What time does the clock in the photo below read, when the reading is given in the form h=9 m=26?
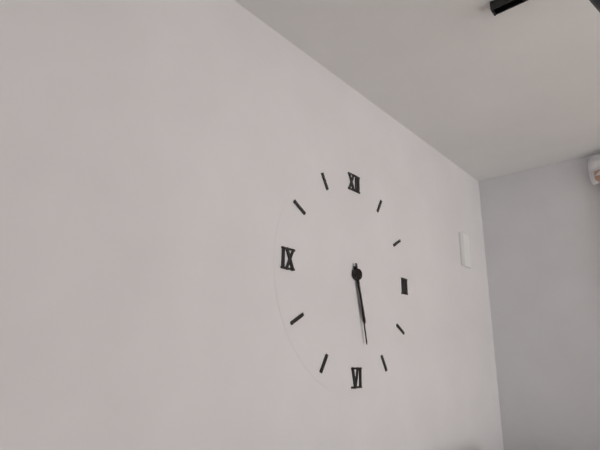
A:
h=5 m=28
